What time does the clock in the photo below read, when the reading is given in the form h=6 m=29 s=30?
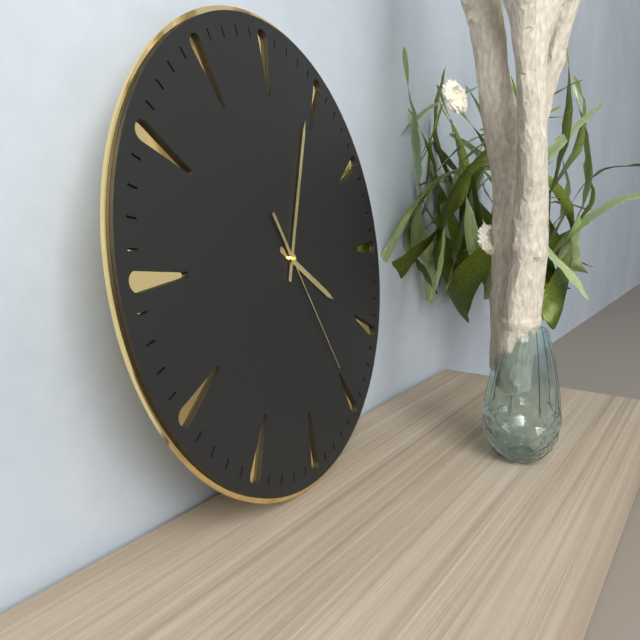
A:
h=4 m=4 s=25
